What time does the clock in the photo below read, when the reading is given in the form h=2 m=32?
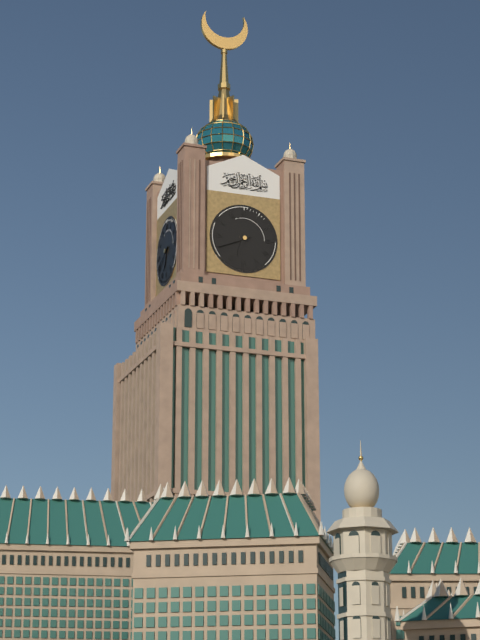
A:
h=6 m=41
